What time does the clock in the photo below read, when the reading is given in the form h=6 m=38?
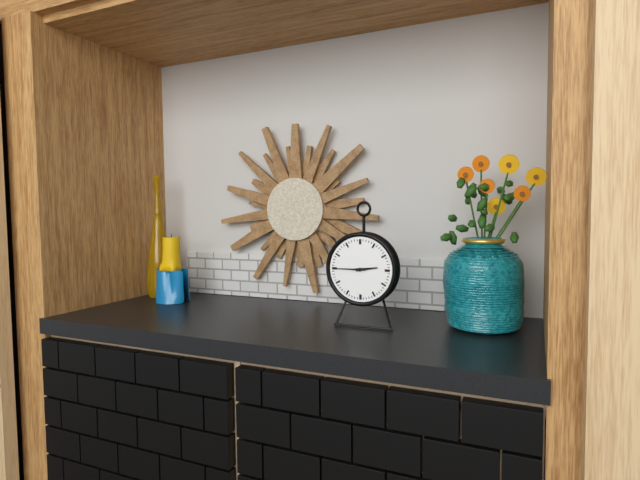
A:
h=2 m=45
